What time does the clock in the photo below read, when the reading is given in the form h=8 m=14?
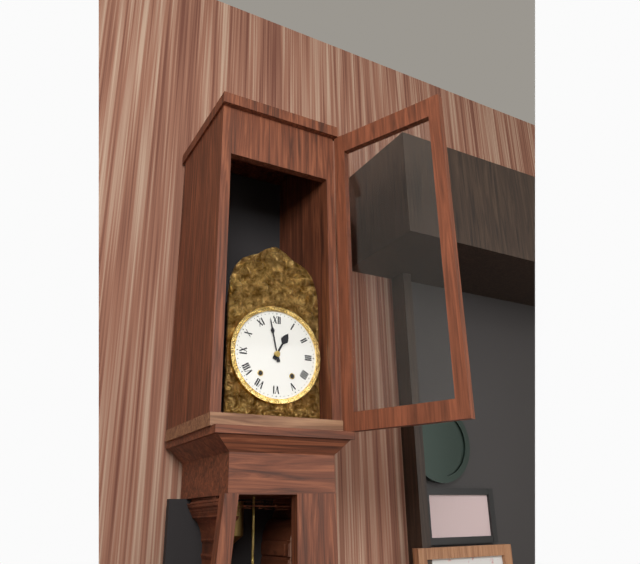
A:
h=12 m=58
